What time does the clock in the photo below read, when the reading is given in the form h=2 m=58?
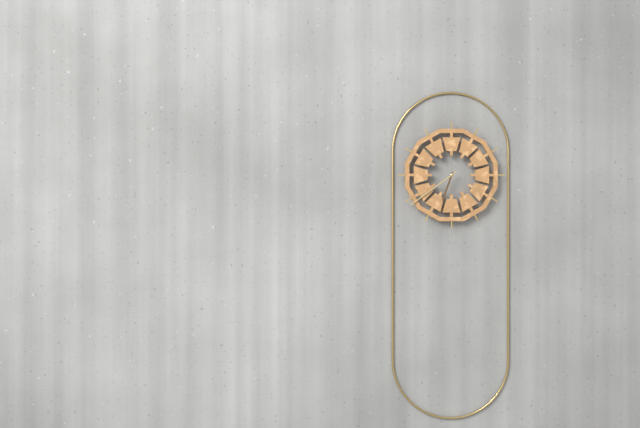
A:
h=6 m=39
